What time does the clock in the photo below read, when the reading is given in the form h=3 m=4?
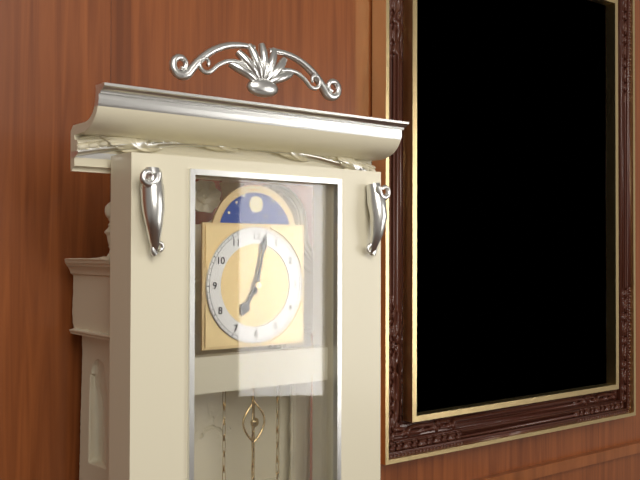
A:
h=7 m=2
